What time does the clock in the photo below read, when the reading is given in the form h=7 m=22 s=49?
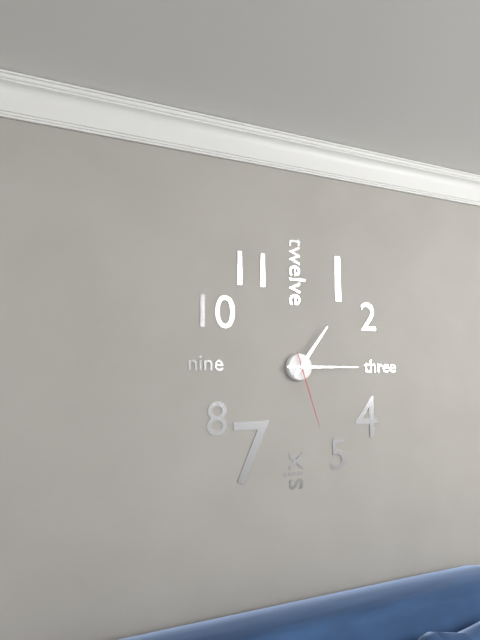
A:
h=1 m=15 s=27
